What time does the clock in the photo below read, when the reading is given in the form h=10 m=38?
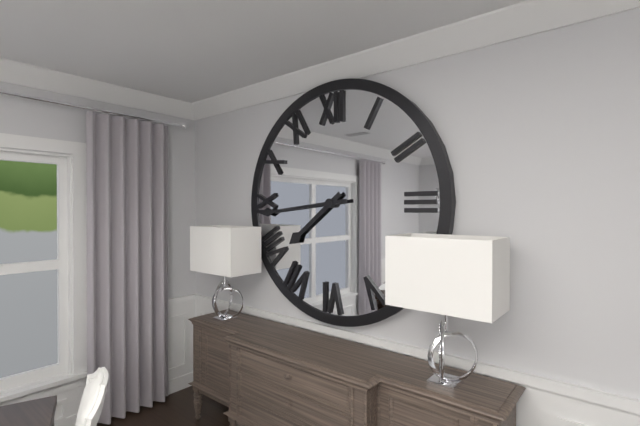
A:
h=7 m=44
